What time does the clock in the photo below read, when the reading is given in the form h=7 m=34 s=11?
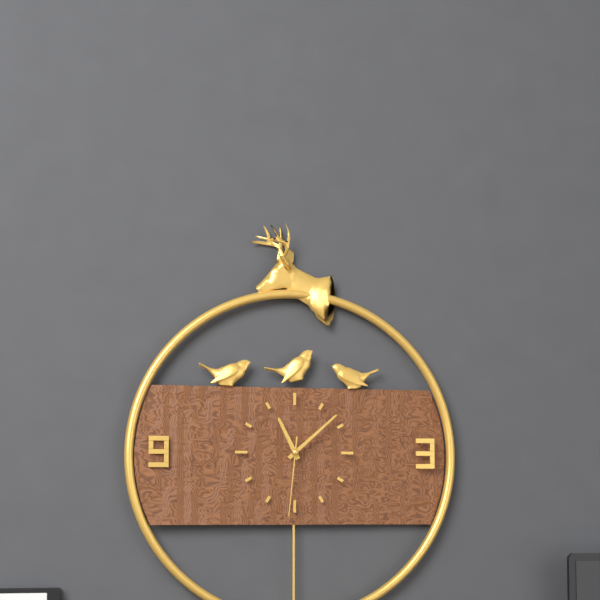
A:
h=11 m=8 s=31
